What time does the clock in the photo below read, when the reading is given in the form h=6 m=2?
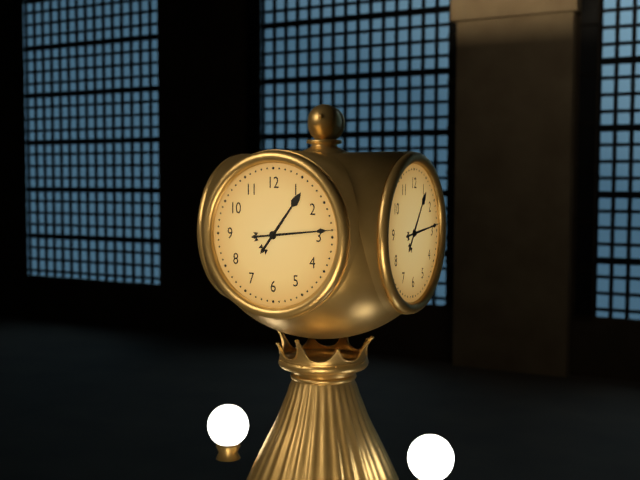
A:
h=1 m=14
